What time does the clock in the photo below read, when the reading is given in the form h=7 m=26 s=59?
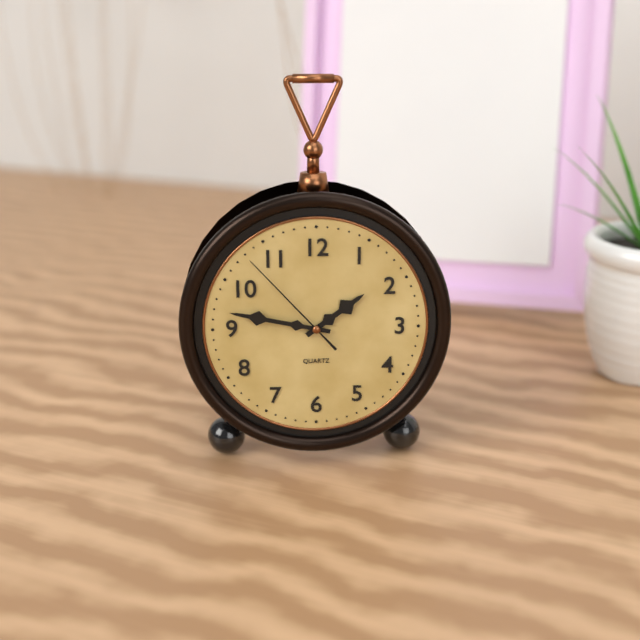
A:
h=1 m=47 s=53
